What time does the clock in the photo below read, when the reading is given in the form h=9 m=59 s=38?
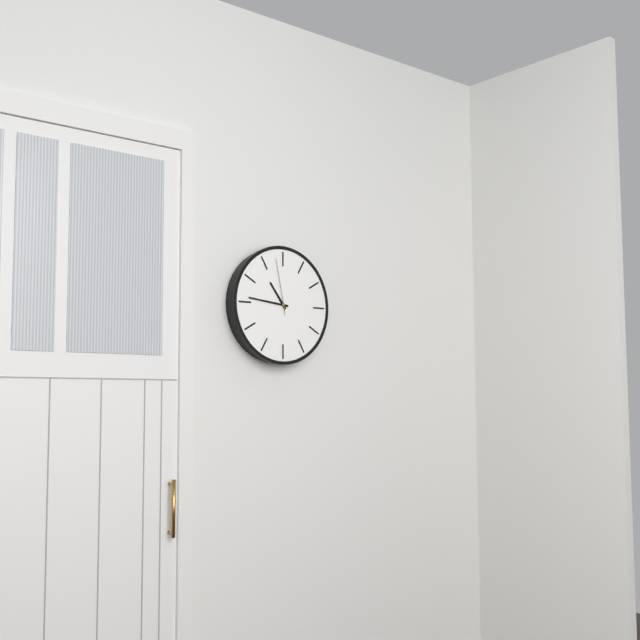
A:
h=10 m=46 s=58
